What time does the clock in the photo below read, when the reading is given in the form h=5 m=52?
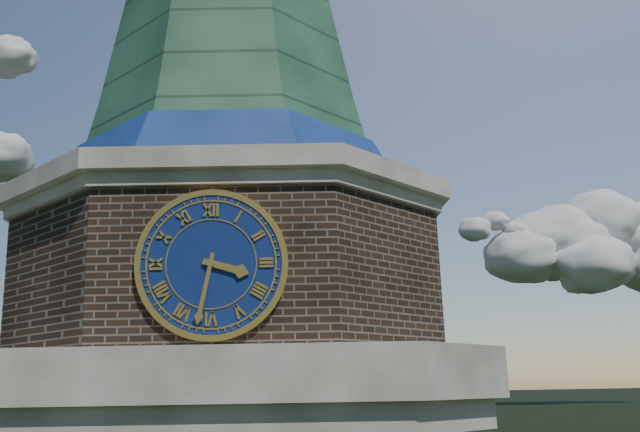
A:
h=3 m=32
